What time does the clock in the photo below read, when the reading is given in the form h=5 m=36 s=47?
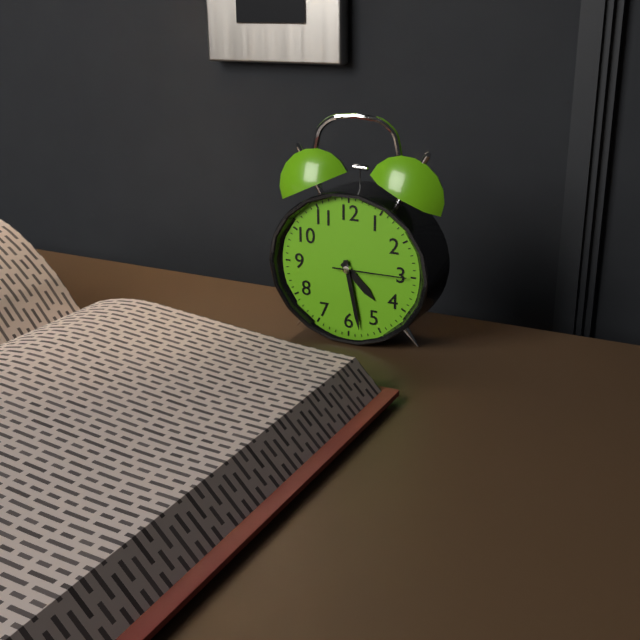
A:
h=4 m=28 s=15
